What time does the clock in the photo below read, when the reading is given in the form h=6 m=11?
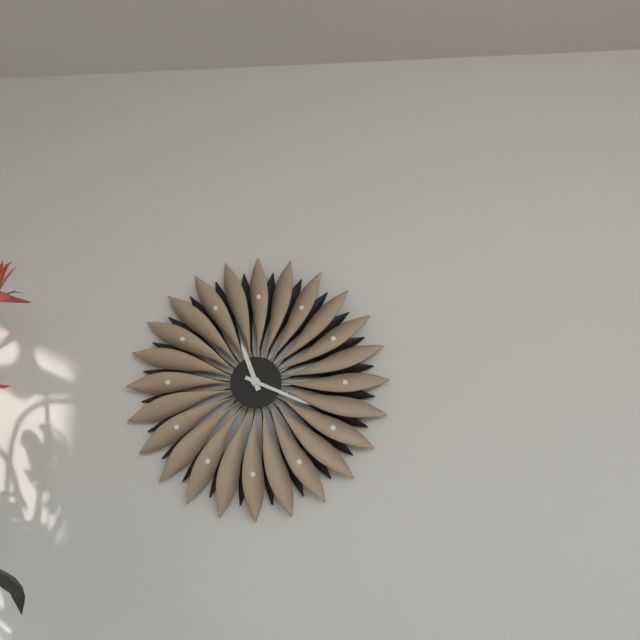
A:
h=11 m=19
